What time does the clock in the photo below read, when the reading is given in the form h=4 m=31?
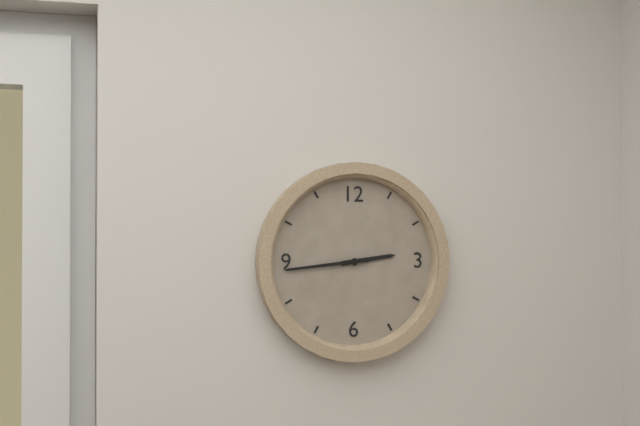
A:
h=2 m=44
